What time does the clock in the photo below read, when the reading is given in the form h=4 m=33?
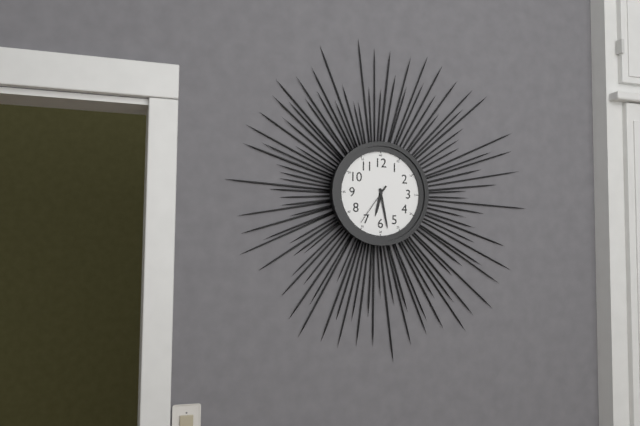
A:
h=6 m=28
